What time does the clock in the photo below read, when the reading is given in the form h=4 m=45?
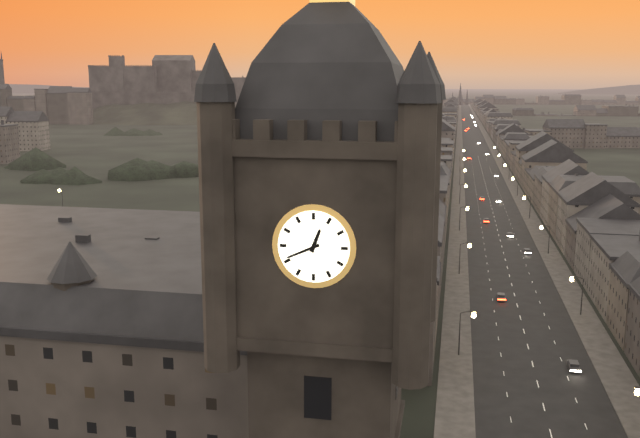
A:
h=12 m=41
